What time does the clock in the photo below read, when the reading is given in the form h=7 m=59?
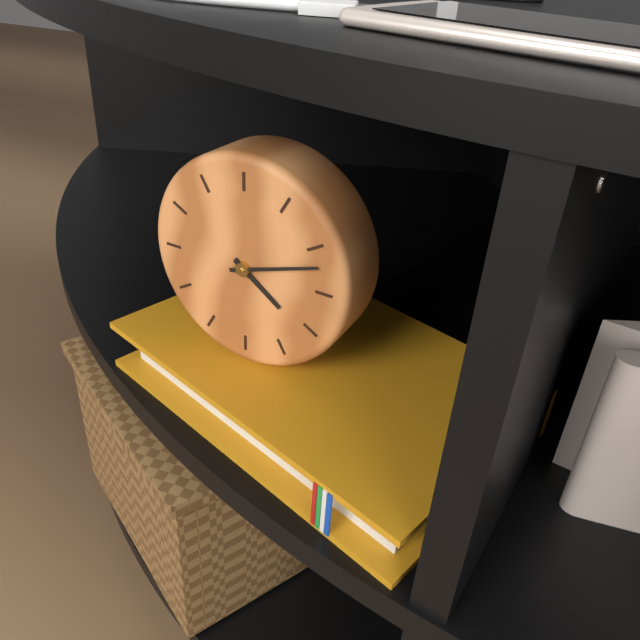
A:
h=4 m=12
